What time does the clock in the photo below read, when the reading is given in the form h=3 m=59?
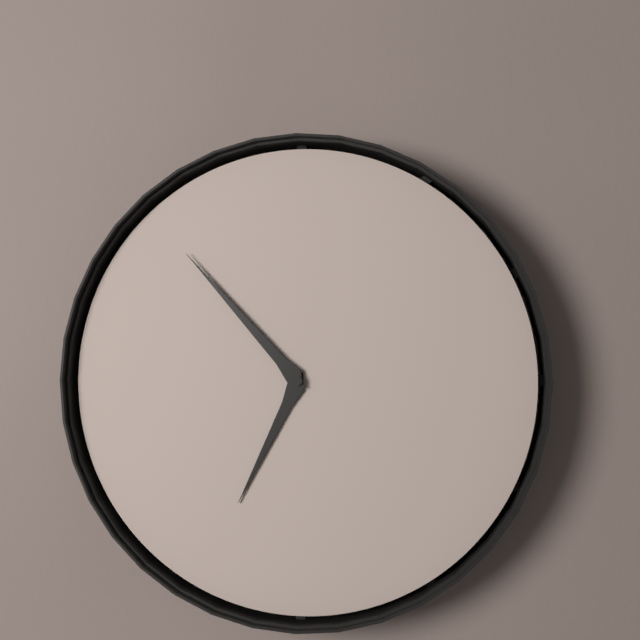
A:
h=6 m=53
